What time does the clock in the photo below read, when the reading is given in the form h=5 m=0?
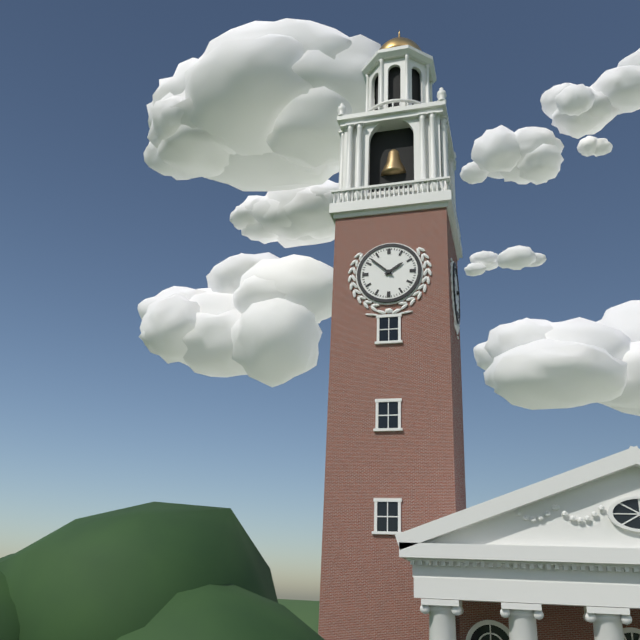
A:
h=1 m=52
